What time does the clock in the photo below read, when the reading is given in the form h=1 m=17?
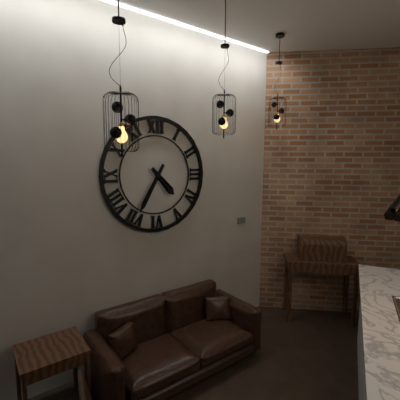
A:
h=4 m=35
